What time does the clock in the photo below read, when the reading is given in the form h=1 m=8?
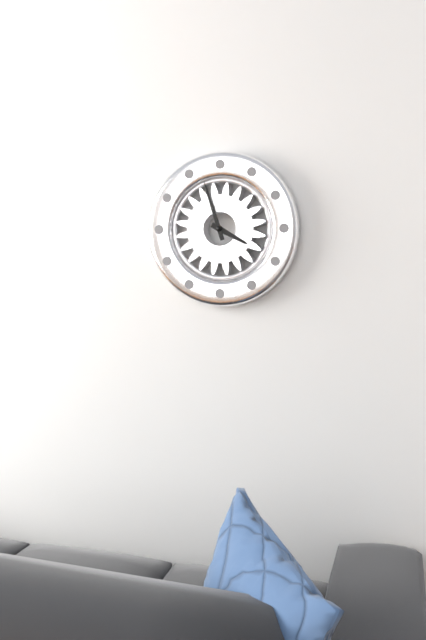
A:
h=3 m=57
